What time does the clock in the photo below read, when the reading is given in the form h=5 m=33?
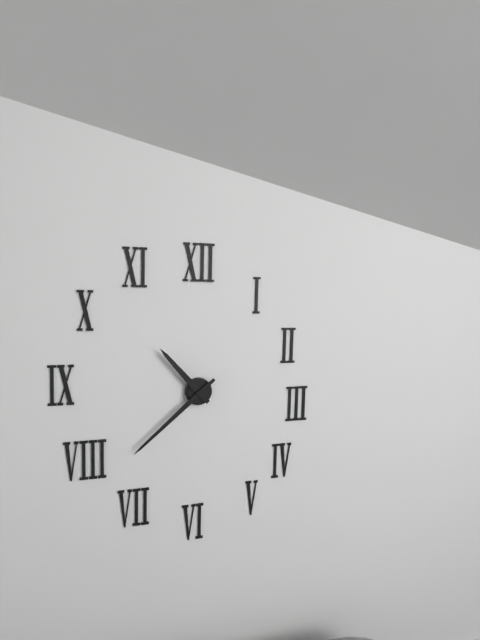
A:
h=10 m=38
